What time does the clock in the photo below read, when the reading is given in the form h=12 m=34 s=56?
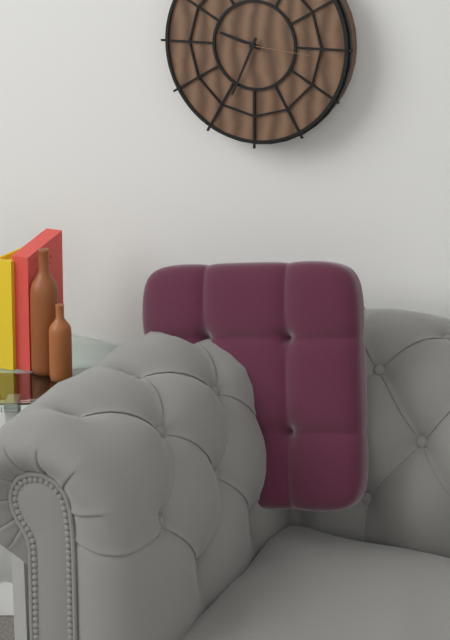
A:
h=9 m=34 s=16
